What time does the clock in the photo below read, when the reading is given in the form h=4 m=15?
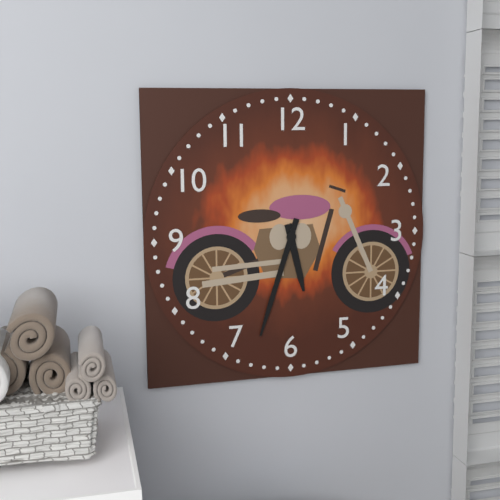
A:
h=5 m=33
